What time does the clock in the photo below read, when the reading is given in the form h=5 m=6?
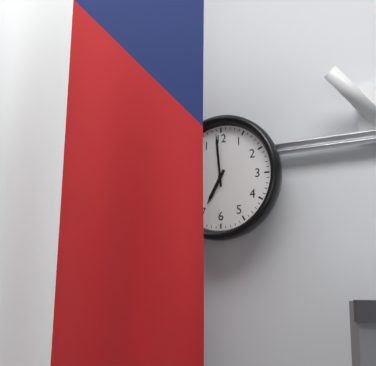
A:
h=6 m=59
